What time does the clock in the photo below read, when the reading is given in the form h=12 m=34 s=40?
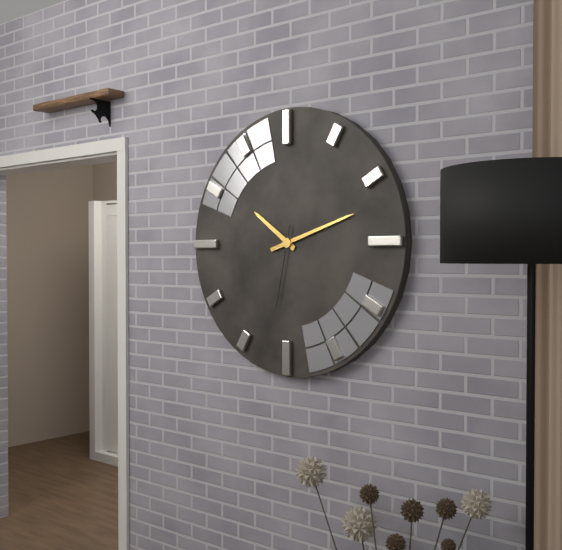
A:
h=10 m=12 s=32
